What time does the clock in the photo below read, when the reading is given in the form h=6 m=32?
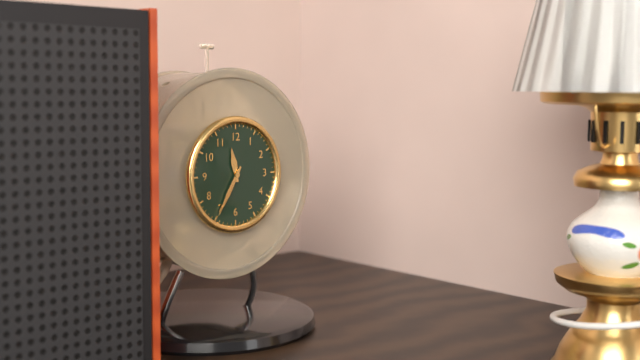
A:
h=11 m=35
